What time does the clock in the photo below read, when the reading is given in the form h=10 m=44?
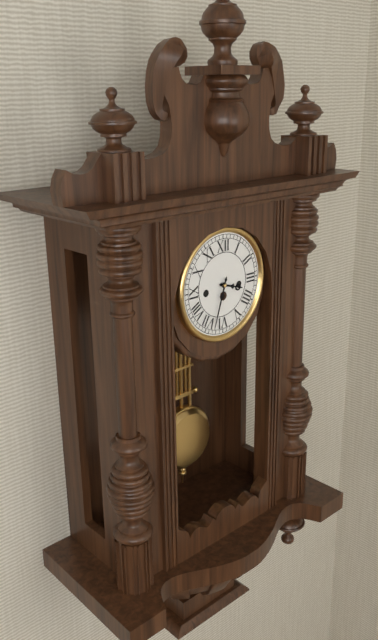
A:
h=3 m=33
